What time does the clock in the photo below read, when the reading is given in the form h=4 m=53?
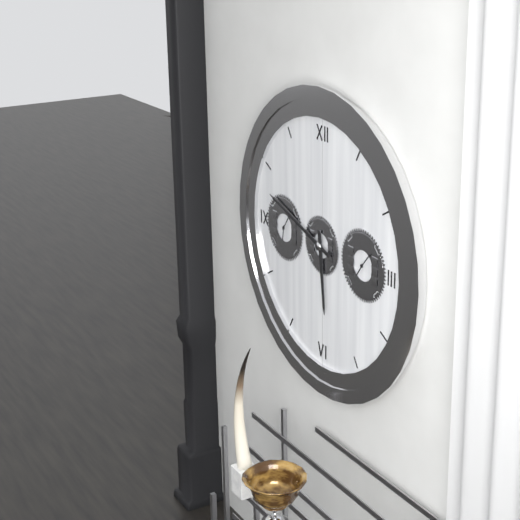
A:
h=5 m=48
